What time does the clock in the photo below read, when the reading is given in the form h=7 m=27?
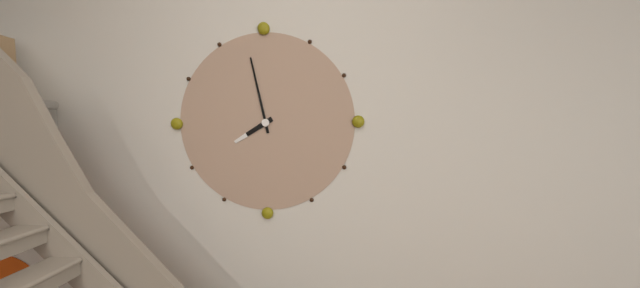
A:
h=7 m=58
